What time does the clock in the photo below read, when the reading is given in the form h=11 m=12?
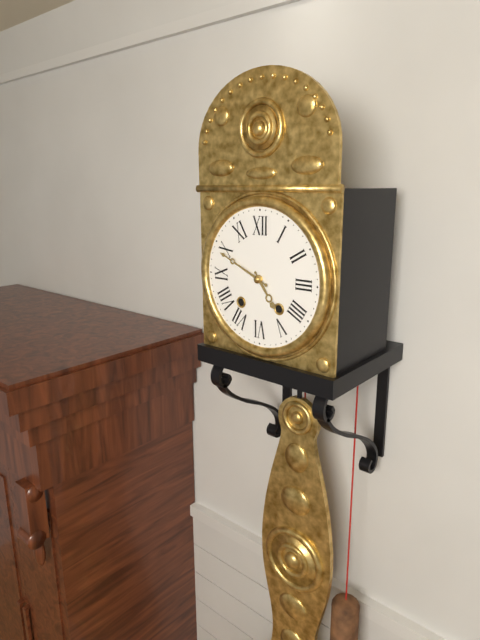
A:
h=4 m=49
